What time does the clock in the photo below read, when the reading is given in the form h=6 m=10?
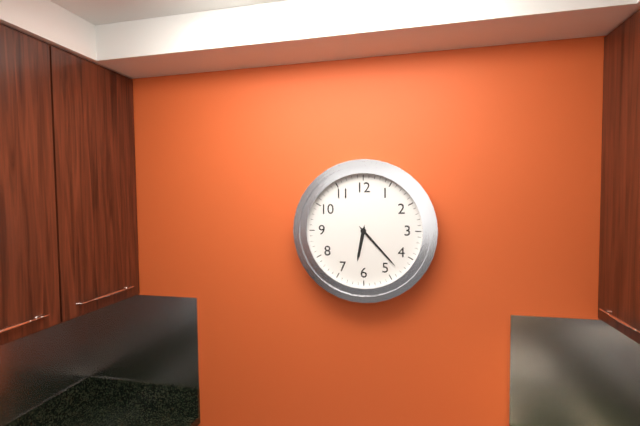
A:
h=6 m=23
